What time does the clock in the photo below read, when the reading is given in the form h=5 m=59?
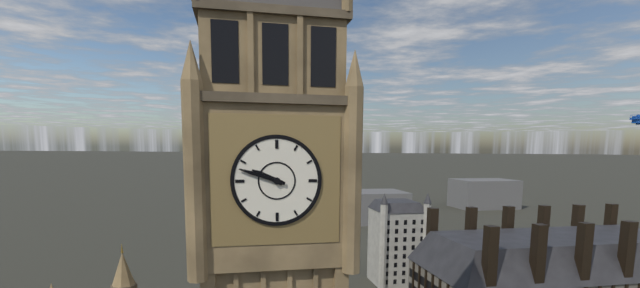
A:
h=9 m=48
